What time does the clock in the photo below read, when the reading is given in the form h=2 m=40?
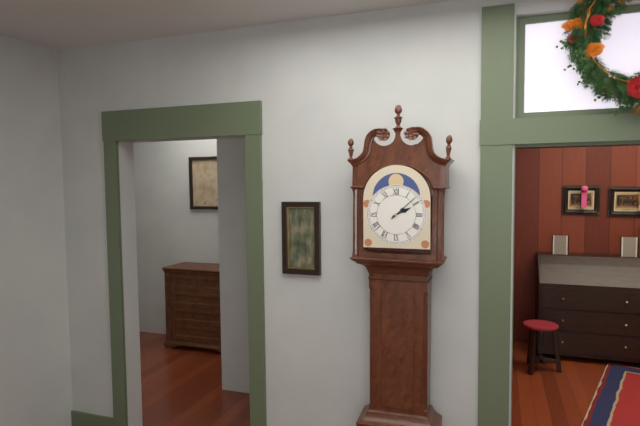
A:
h=2 m=8
